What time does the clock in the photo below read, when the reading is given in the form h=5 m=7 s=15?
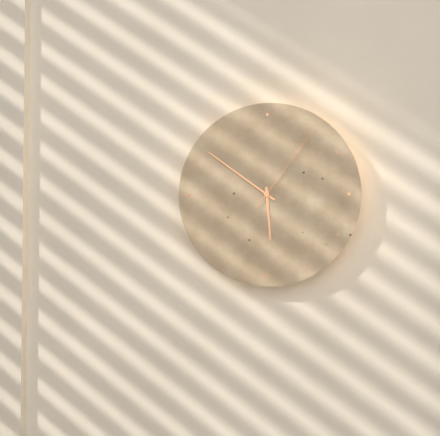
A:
h=5 m=51 s=6
